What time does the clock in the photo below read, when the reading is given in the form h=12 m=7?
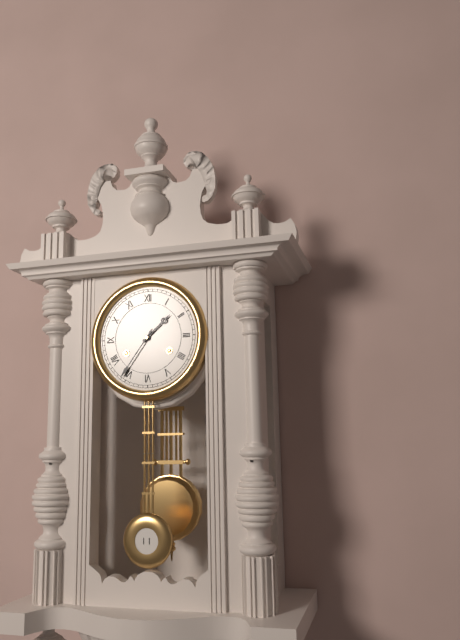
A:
h=1 m=36
